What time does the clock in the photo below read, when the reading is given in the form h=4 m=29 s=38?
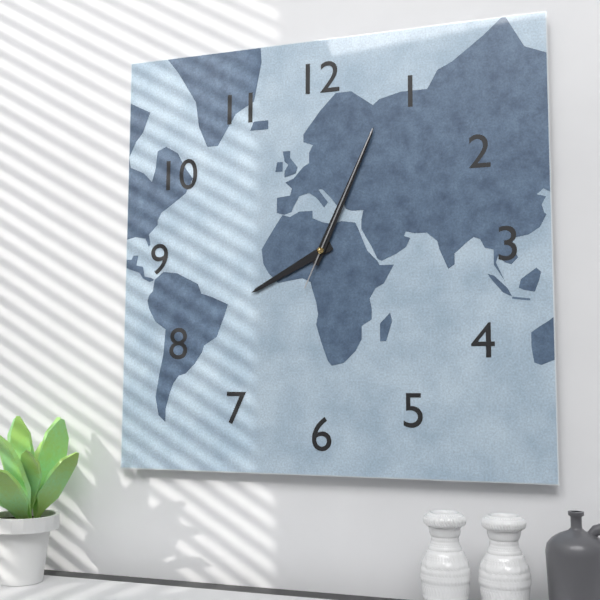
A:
h=8 m=4 s=4
